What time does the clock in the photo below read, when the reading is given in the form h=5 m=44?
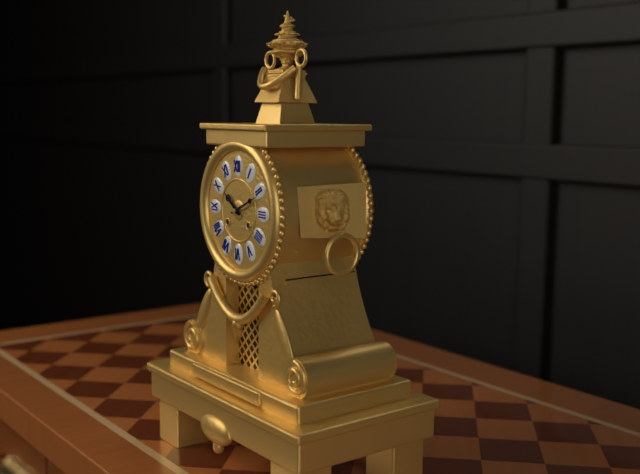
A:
h=10 m=11
